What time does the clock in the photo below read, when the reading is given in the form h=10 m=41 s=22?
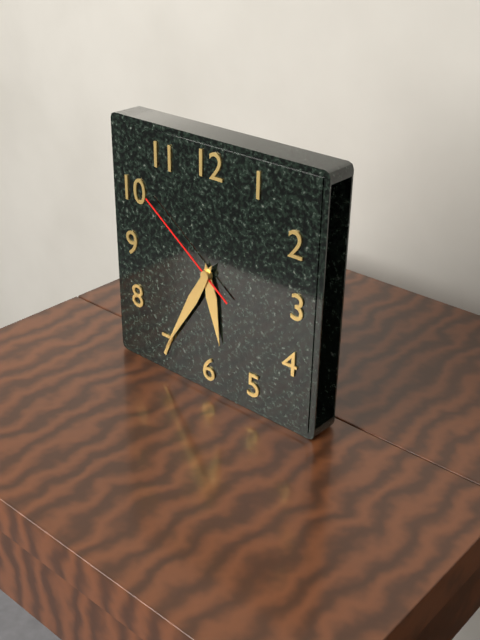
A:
h=5 m=35 s=51
